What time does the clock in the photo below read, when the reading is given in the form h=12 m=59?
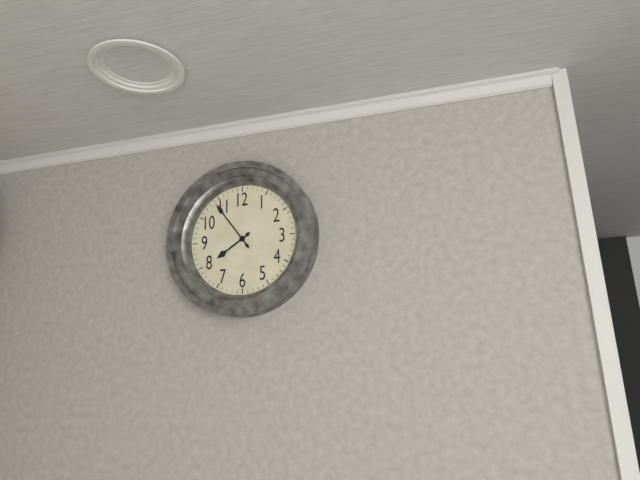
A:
h=7 m=54
